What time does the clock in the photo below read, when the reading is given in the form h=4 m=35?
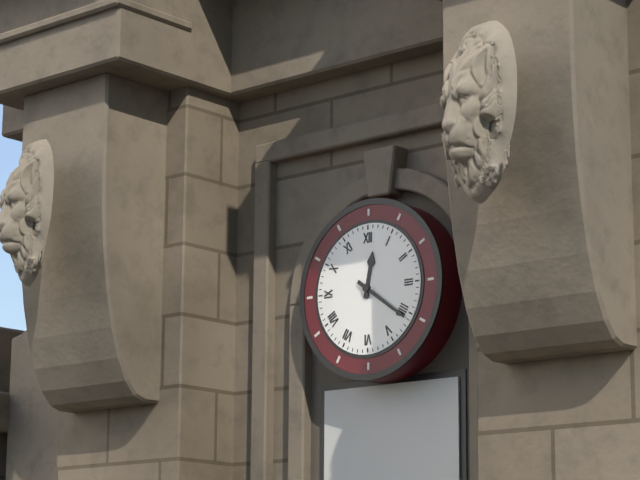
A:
h=12 m=21
